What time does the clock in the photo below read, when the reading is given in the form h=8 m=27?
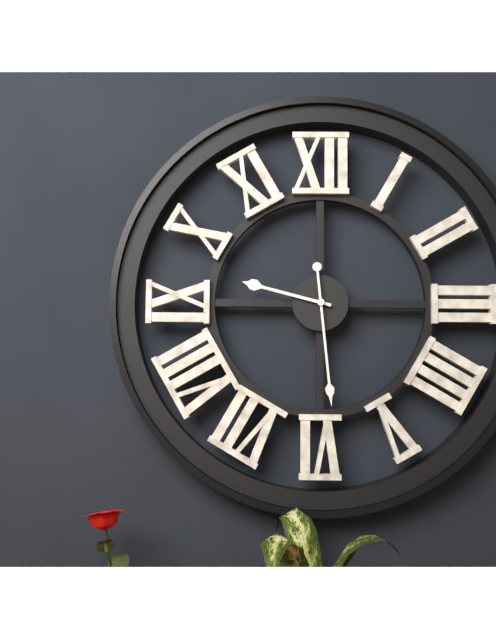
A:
h=9 m=29
